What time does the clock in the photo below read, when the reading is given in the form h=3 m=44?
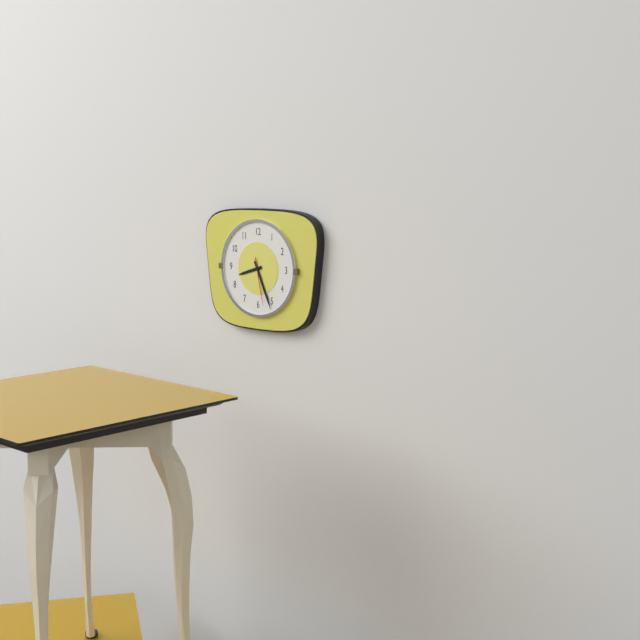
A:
h=8 m=26
